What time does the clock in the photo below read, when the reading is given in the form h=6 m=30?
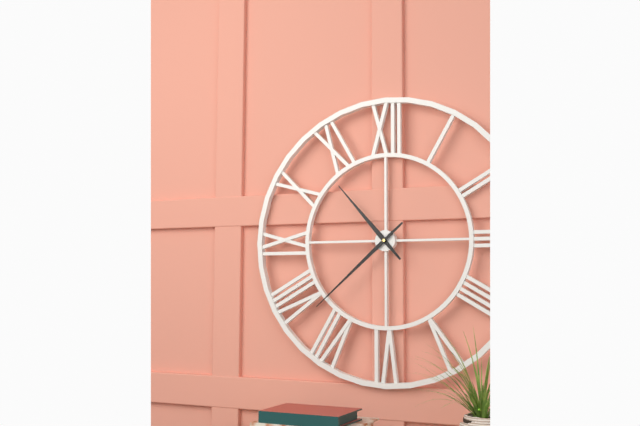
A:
h=10 m=38
